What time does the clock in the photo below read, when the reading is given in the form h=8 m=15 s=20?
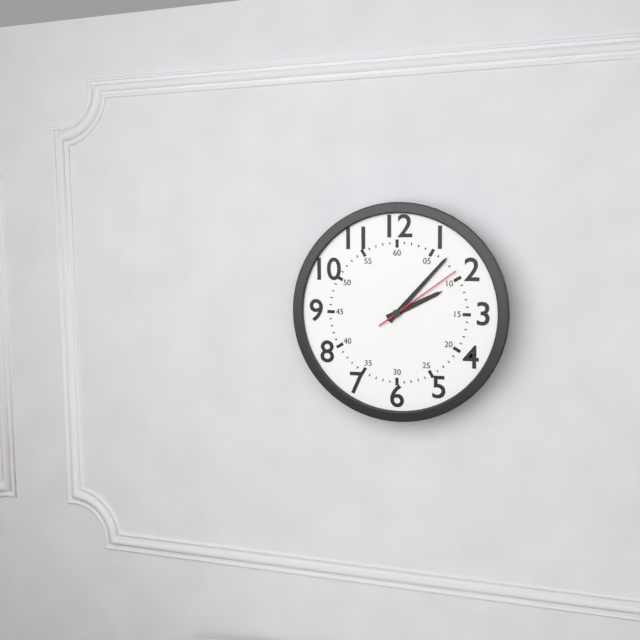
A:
h=2 m=7 s=9
